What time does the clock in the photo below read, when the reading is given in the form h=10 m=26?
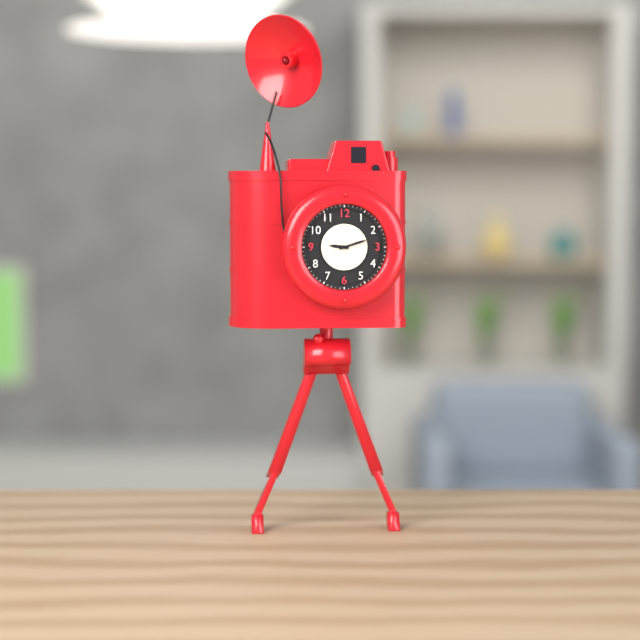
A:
h=9 m=12
